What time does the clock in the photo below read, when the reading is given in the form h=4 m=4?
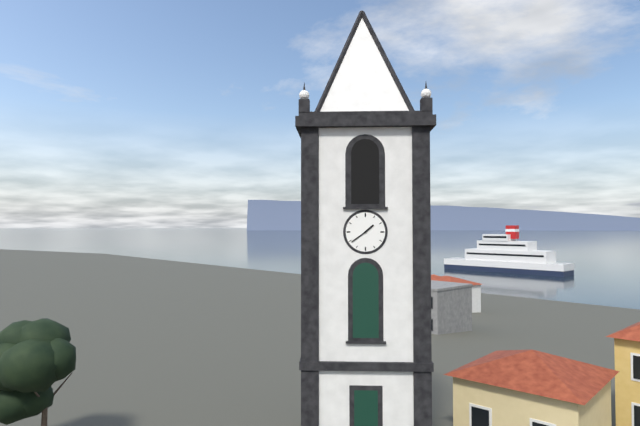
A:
h=1 m=39
